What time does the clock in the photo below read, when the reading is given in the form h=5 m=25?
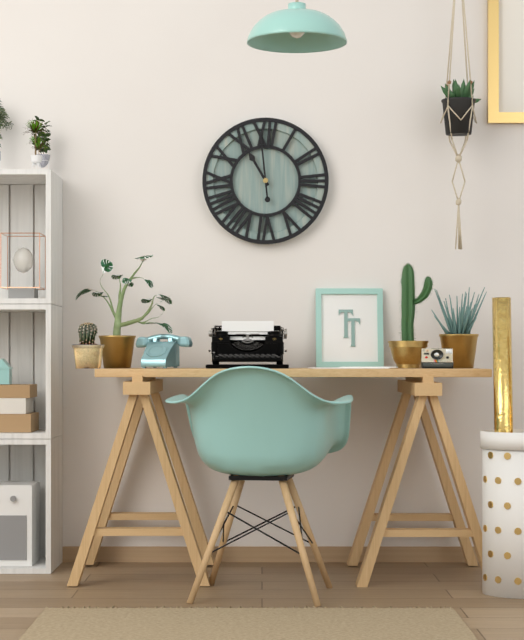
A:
h=10 m=59
